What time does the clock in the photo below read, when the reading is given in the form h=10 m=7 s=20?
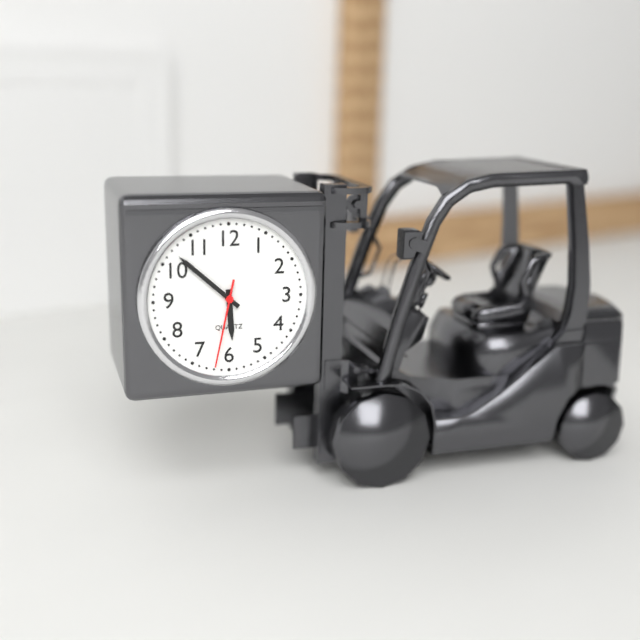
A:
h=5 m=52 s=32
